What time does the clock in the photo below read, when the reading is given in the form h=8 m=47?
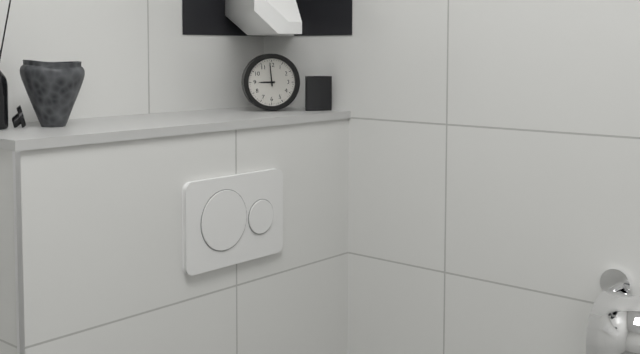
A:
h=8 m=59
